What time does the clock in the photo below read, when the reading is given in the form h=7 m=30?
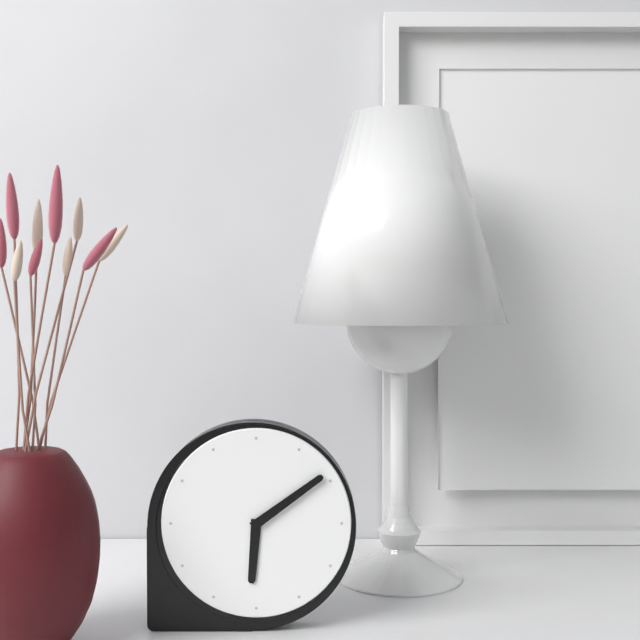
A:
h=6 m=9
